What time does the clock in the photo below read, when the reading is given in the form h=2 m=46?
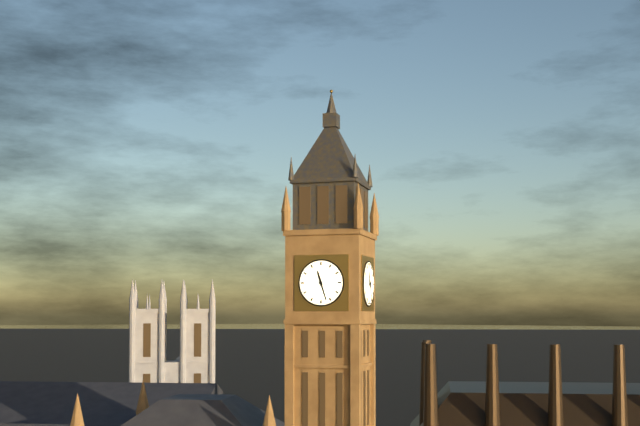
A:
h=11 m=27
